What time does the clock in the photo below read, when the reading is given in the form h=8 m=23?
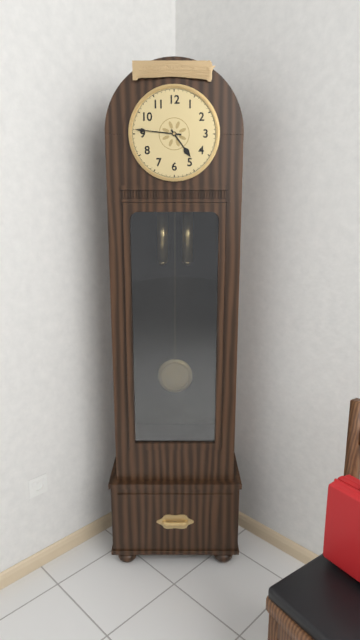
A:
h=4 m=46
